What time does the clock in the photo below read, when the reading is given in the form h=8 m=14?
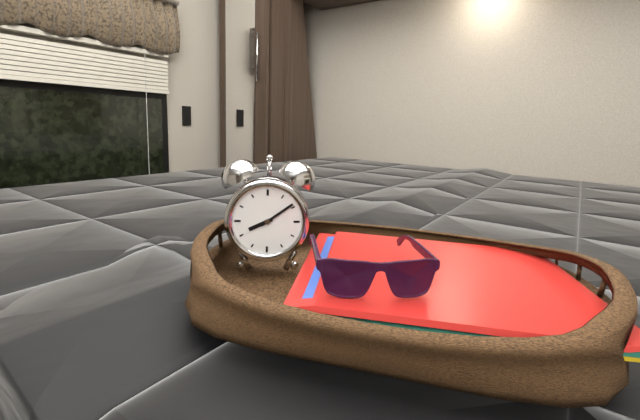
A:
h=8 m=9
